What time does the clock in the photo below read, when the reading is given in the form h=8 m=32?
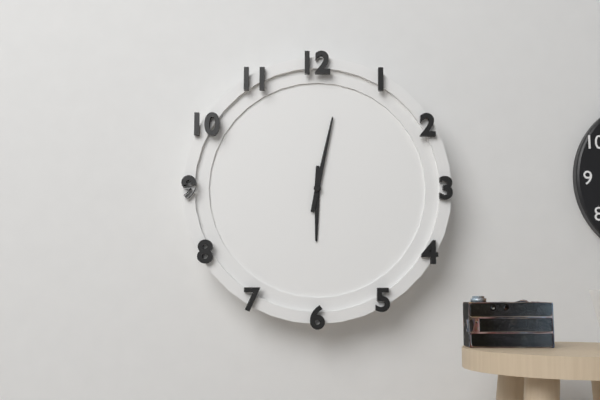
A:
h=6 m=2
